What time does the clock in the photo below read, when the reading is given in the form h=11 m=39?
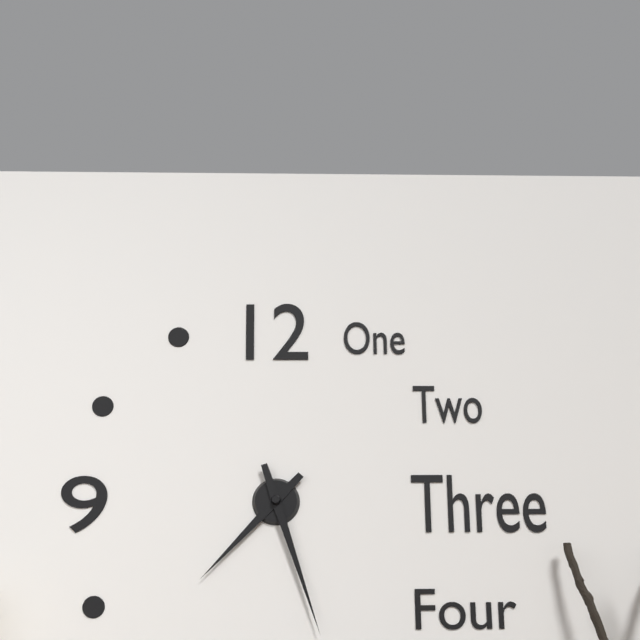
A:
h=7 m=27
